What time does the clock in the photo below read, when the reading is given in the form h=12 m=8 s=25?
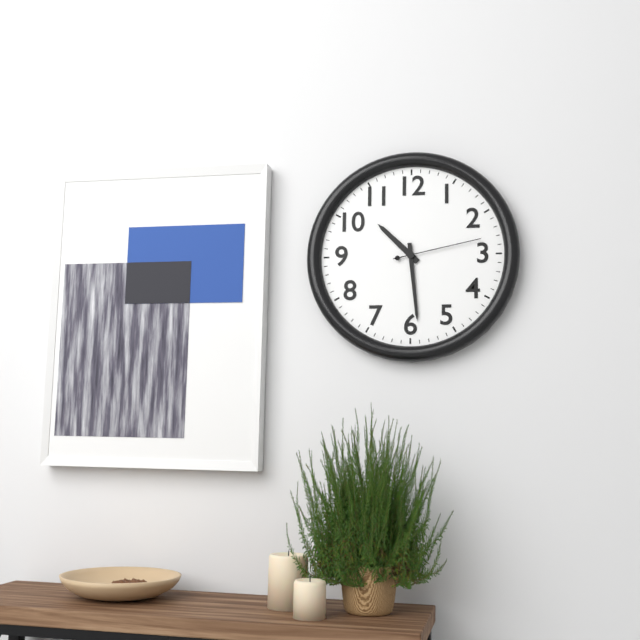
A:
h=10 m=29 s=13
